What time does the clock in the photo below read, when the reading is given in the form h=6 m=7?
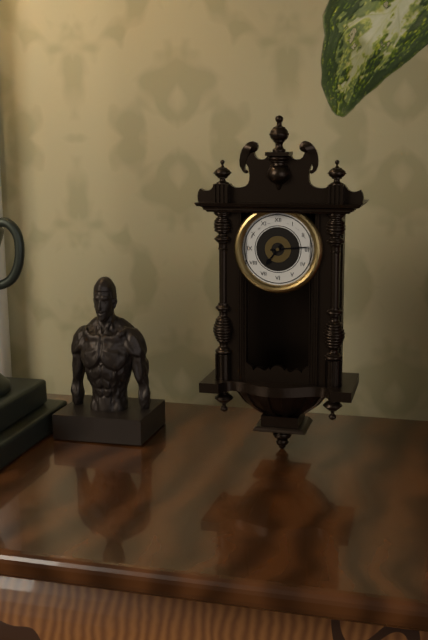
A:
h=7 m=14
